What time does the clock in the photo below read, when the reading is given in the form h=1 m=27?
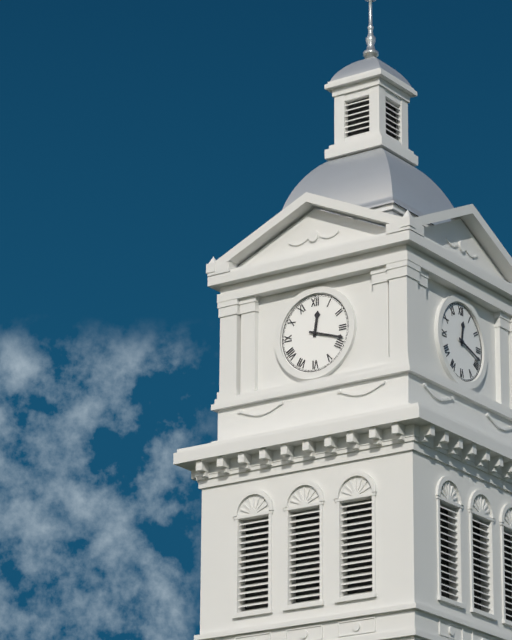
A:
h=12 m=18
